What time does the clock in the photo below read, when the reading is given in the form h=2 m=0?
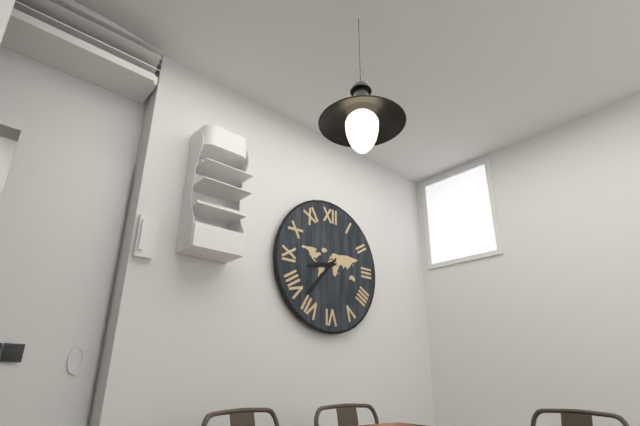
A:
h=8 m=37
